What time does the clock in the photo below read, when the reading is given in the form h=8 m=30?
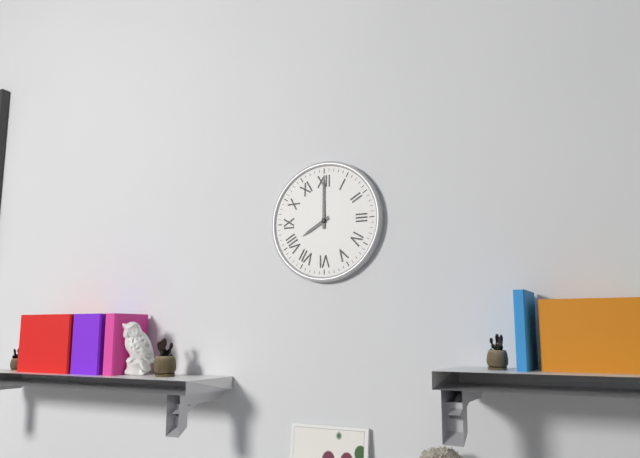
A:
h=8 m=0
